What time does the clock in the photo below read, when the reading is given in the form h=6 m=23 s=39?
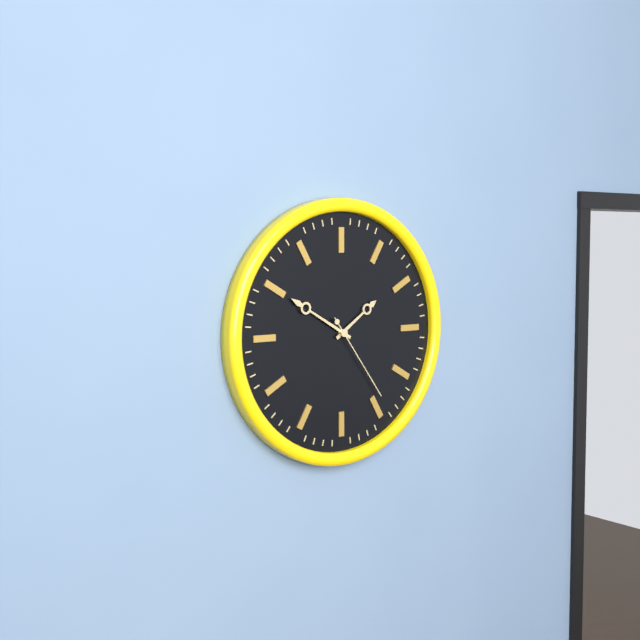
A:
h=1 m=50 s=24
